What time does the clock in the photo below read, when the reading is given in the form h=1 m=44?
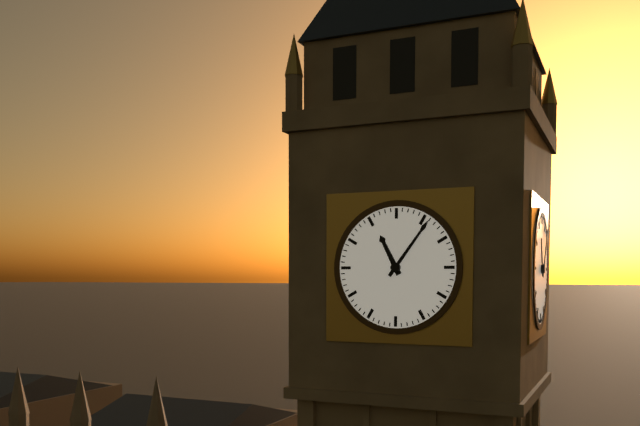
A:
h=11 m=6
